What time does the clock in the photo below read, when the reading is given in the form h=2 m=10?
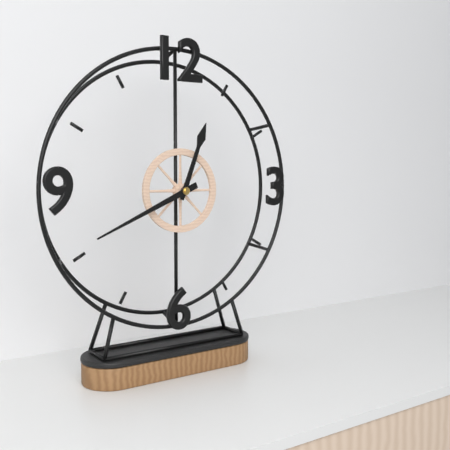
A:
h=12 m=41
